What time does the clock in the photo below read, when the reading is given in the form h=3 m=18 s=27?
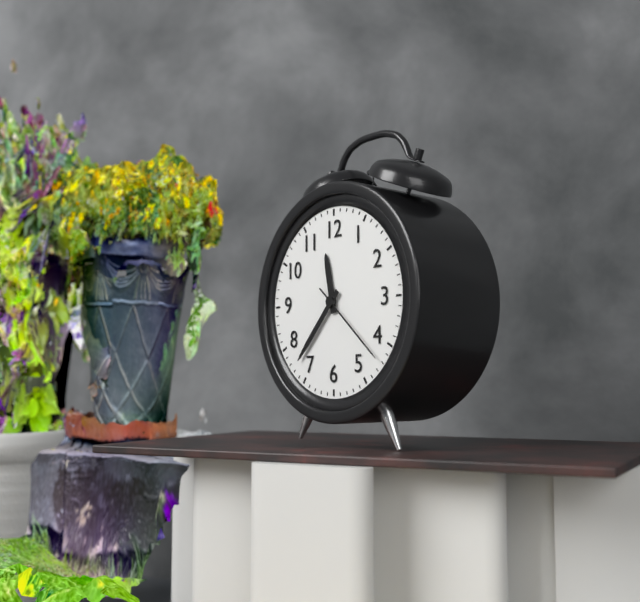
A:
h=11 m=37 s=22
